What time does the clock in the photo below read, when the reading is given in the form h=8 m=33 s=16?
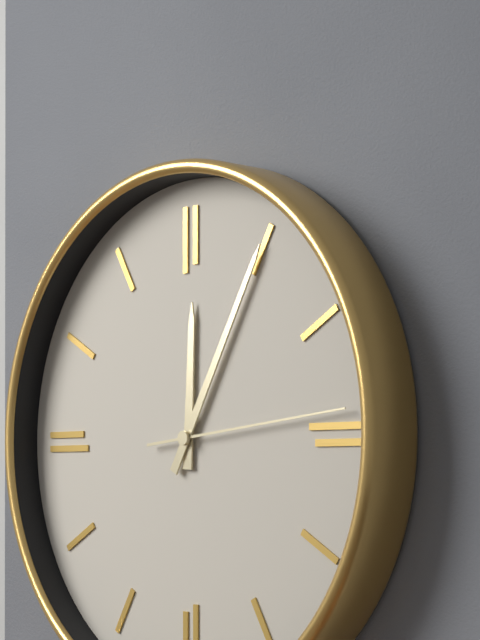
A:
h=12 m=5 s=14
